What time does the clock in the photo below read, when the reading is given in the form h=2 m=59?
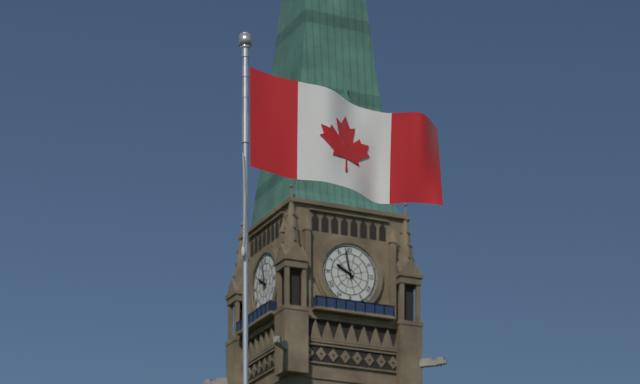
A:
h=9 m=58
